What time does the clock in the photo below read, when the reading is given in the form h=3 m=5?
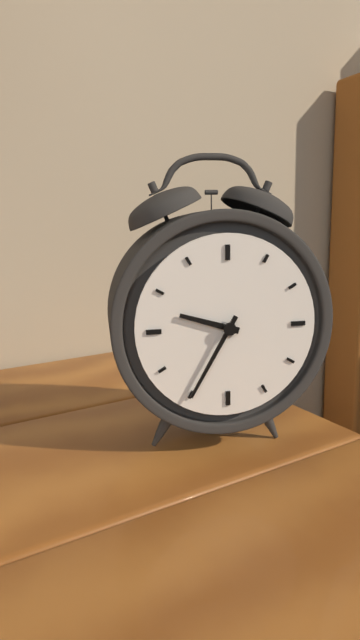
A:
h=9 m=35
